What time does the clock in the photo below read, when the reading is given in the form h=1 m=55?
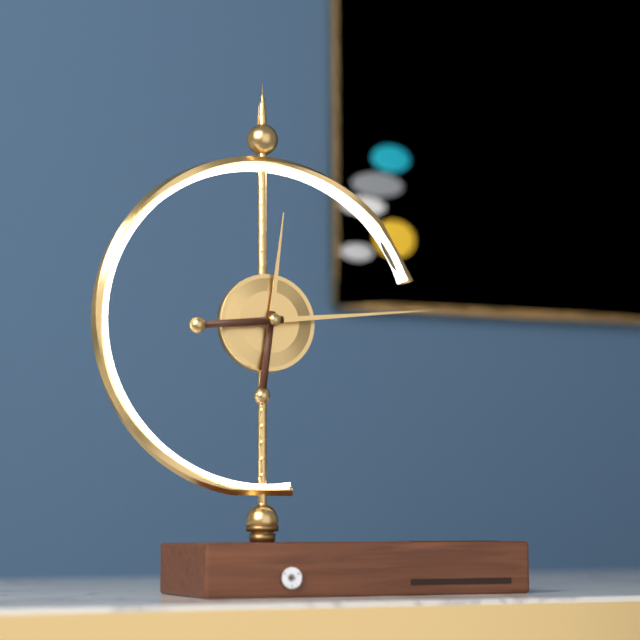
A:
h=12 m=14
